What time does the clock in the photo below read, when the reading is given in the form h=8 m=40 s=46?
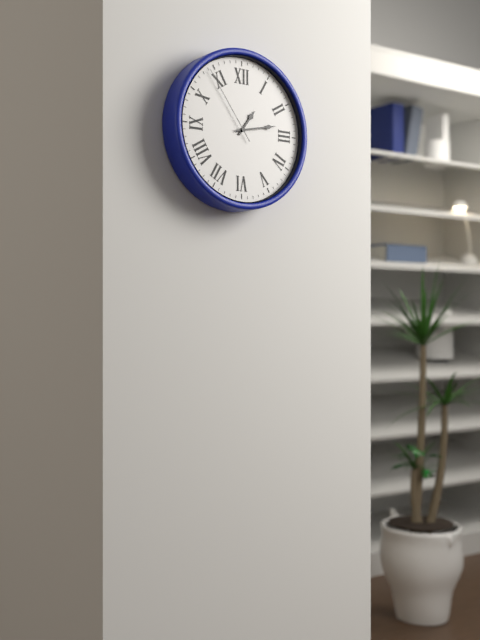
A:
h=1 m=13 s=54
